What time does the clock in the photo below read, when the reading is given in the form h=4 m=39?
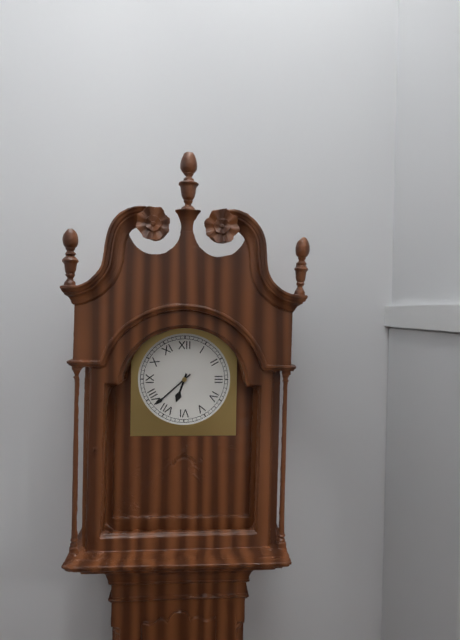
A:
h=6 m=38
